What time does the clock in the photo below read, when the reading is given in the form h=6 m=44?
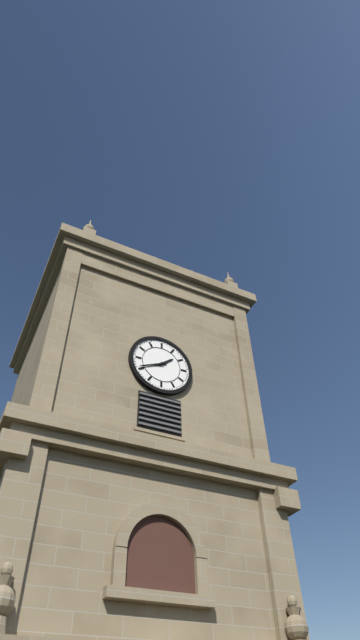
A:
h=1 m=41
